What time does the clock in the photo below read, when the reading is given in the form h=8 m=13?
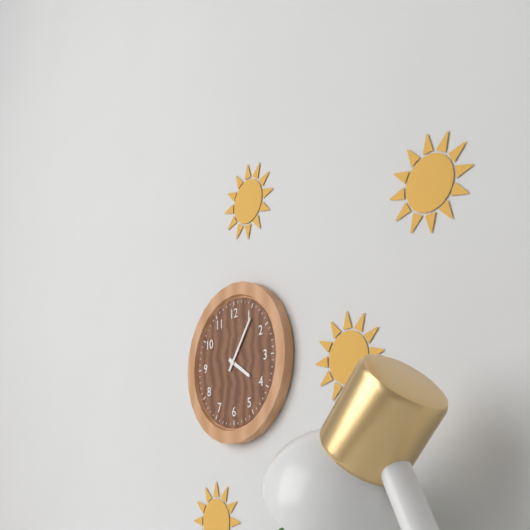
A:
h=4 m=6
